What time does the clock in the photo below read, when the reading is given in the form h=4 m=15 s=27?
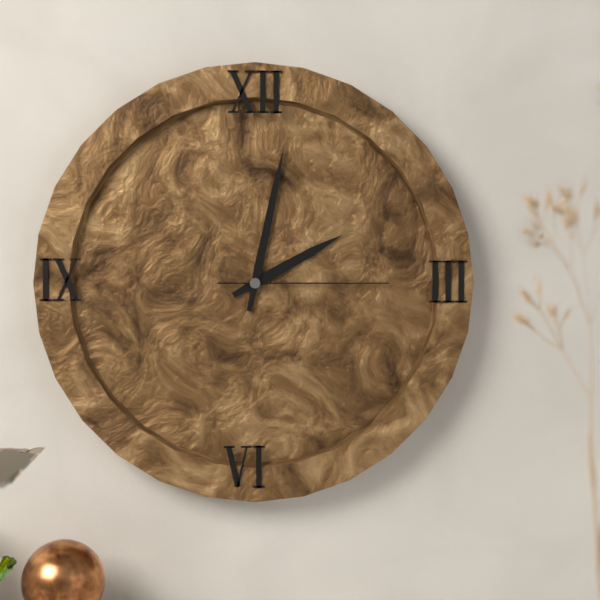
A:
h=2 m=2 s=15
